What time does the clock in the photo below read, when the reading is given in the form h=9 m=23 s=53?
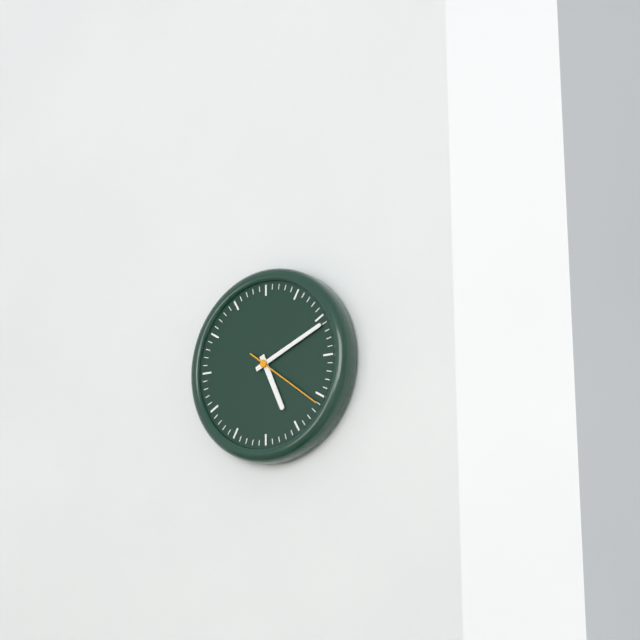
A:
h=5 m=11 s=21
